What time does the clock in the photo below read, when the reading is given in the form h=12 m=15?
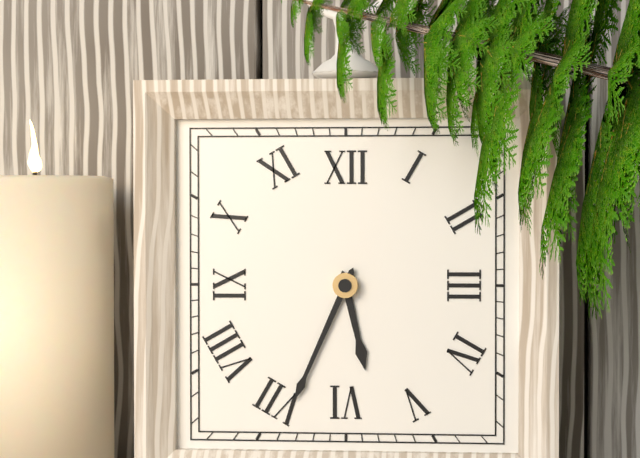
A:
h=5 m=34
